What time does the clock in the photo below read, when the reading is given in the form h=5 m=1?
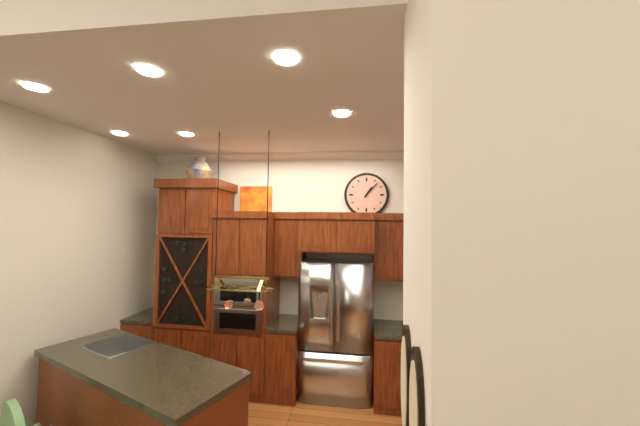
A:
h=1 m=7
